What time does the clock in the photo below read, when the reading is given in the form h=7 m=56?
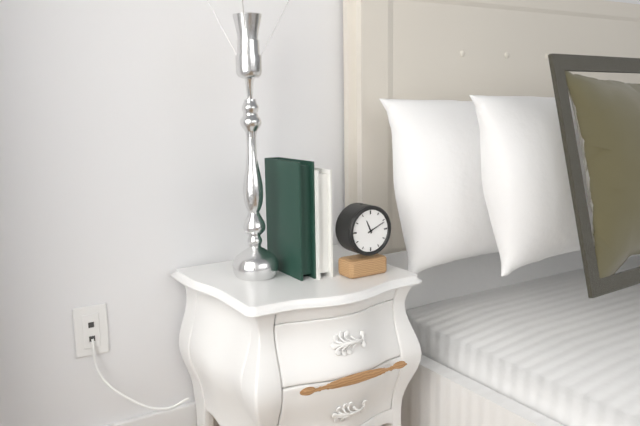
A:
h=11 m=11
